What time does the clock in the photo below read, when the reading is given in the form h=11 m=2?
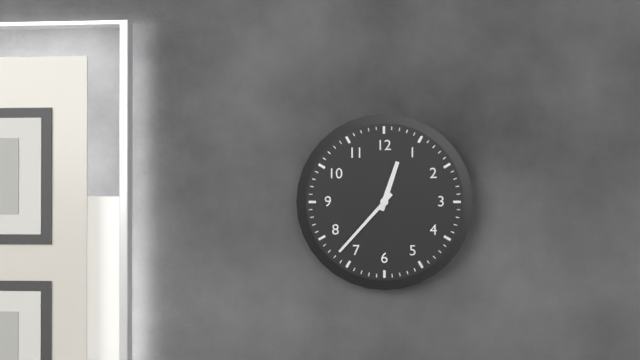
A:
h=12 m=37
